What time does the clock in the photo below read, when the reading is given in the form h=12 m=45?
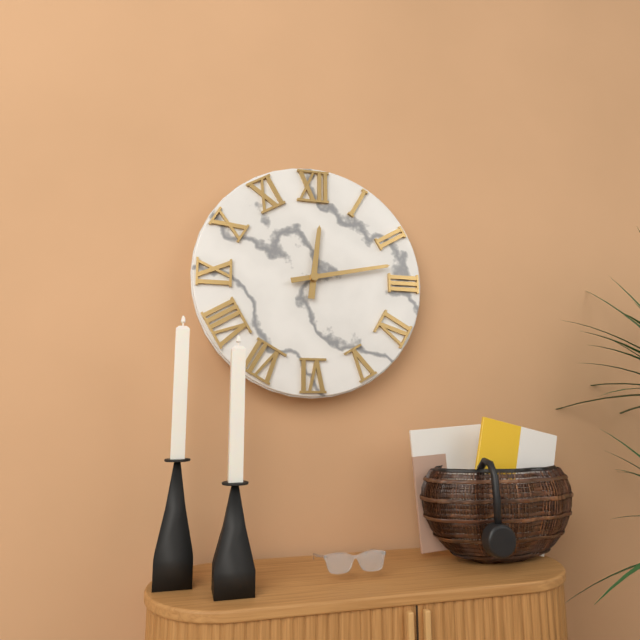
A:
h=12 m=13
